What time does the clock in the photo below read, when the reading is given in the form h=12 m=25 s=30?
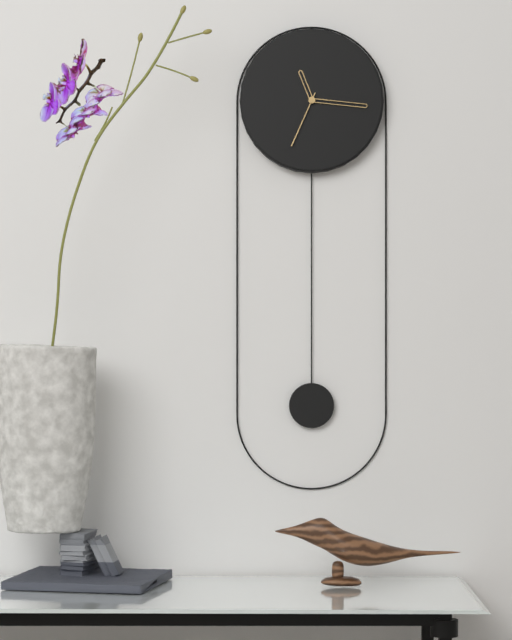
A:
h=11 m=16 s=34
